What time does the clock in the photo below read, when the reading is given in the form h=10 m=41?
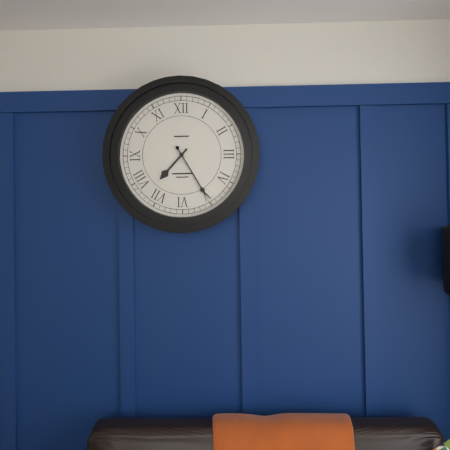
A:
h=7 m=25
